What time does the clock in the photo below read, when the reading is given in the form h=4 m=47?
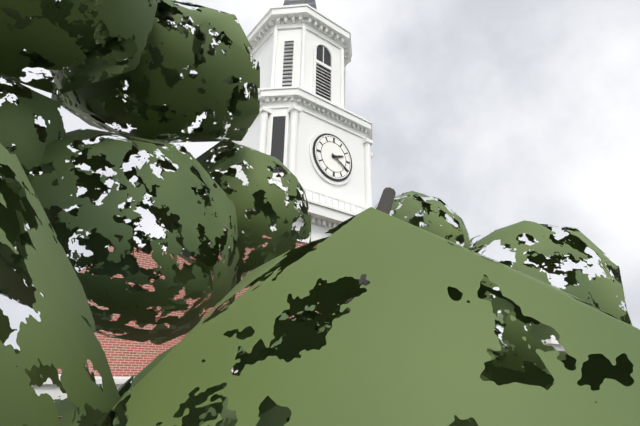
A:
h=2 m=20
